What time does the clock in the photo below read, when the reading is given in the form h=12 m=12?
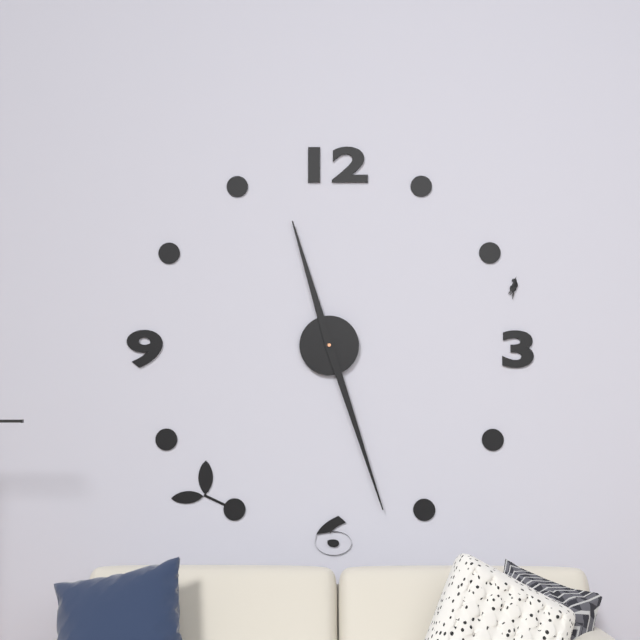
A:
h=11 m=27
